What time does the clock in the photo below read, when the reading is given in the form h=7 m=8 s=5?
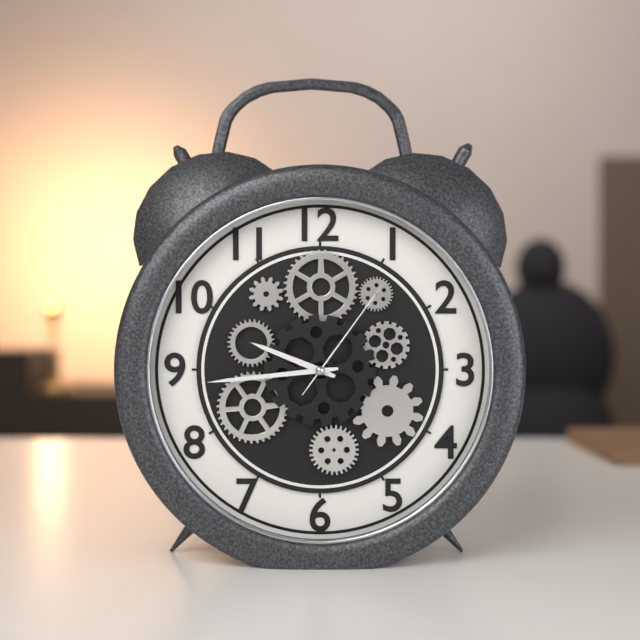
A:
h=9 m=44 s=6
